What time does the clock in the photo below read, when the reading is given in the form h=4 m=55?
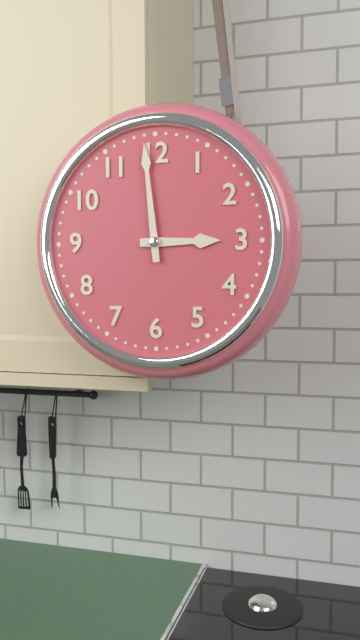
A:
h=2 m=59
